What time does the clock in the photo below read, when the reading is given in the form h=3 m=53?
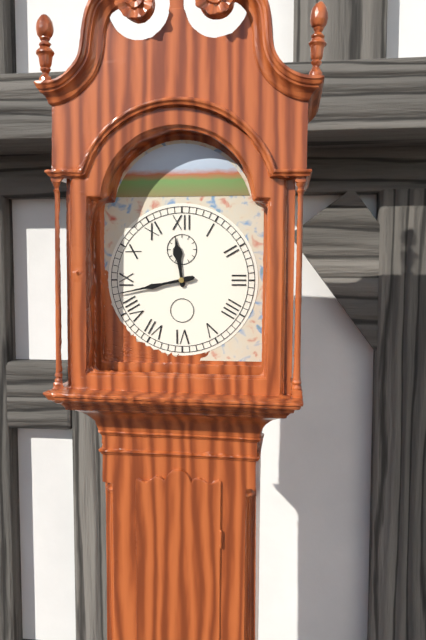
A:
h=11 m=43
